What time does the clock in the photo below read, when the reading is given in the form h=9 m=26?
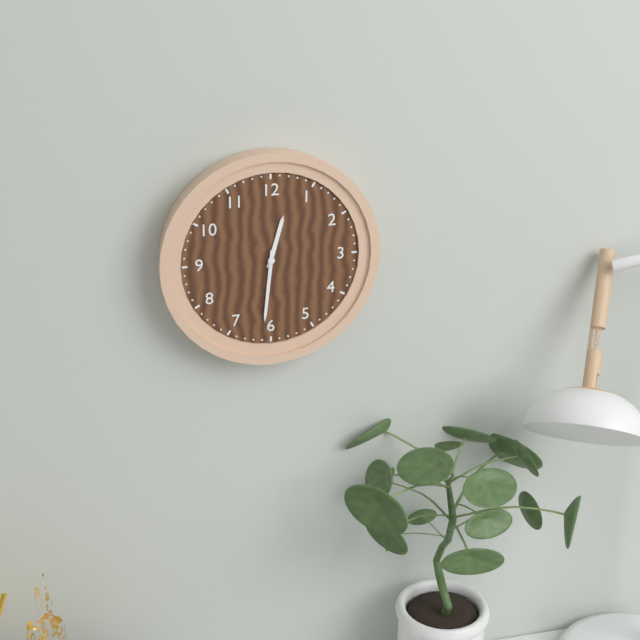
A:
h=12 m=31
